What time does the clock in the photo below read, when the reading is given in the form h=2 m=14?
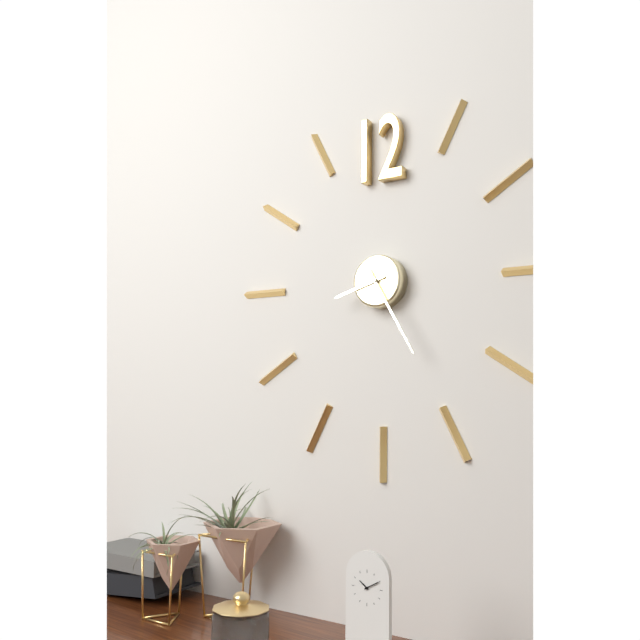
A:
h=8 m=25
